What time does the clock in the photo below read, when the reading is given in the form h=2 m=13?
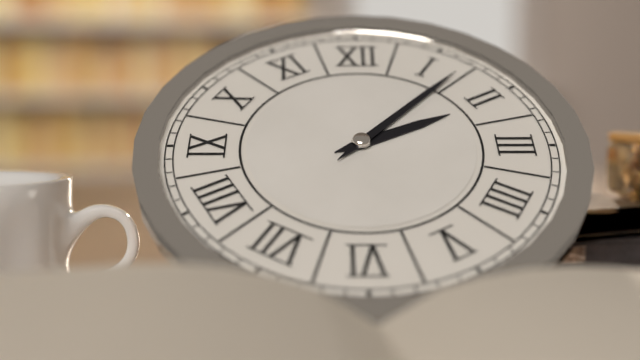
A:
h=2 m=7
